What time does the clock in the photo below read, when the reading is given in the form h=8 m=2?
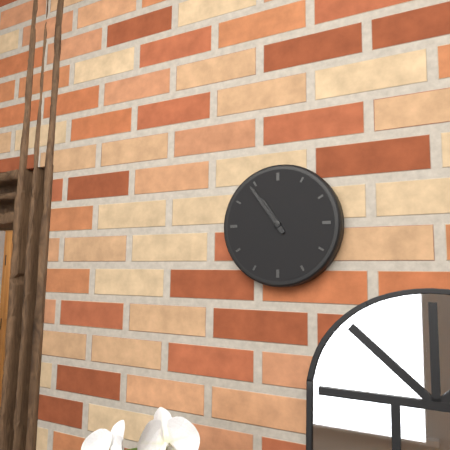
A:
h=10 m=54
